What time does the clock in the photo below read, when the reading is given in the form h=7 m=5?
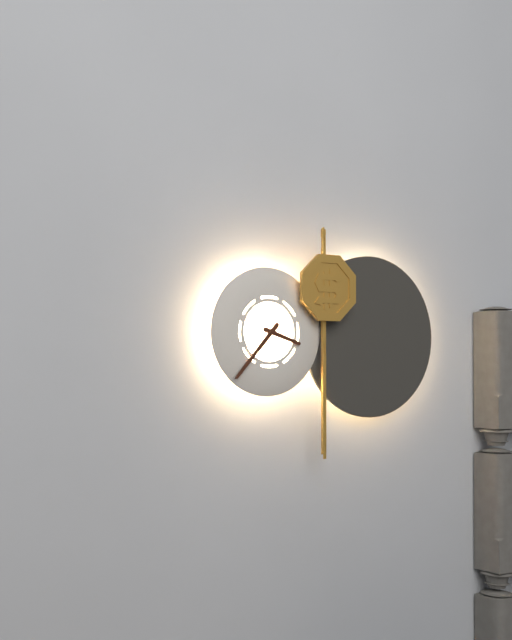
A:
h=3 m=37
